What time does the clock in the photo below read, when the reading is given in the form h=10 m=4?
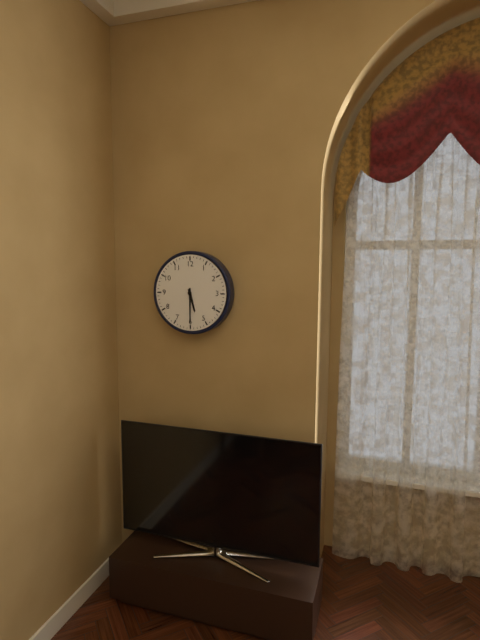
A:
h=5 m=30
